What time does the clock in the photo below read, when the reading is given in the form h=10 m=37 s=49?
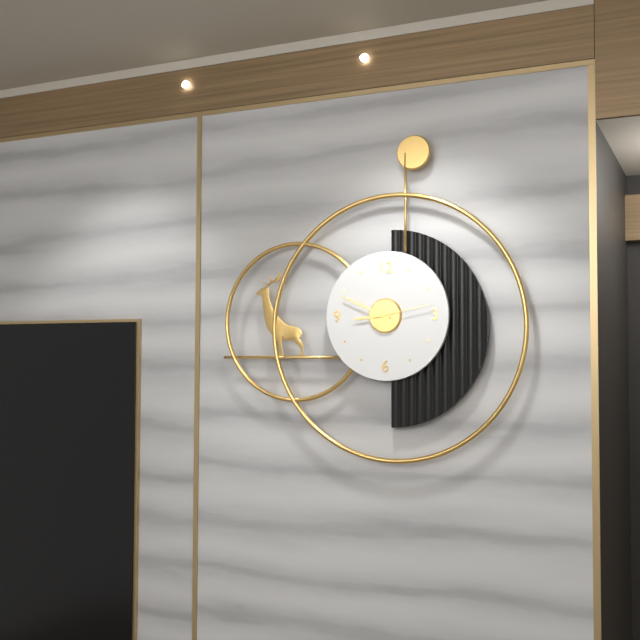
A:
h=8 m=49 s=13
